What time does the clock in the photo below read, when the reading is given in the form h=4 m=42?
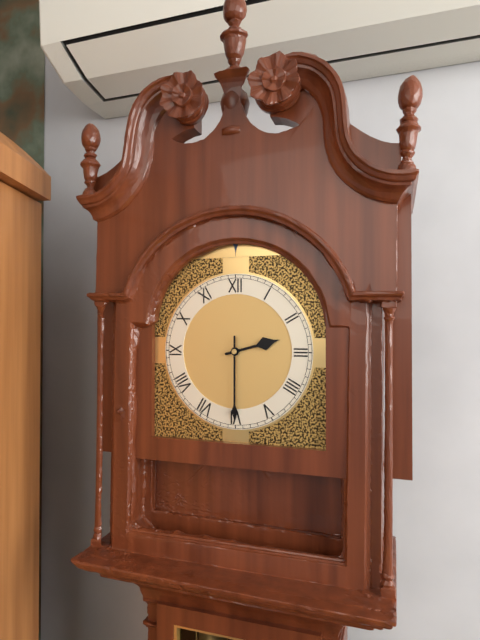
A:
h=2 m=30
